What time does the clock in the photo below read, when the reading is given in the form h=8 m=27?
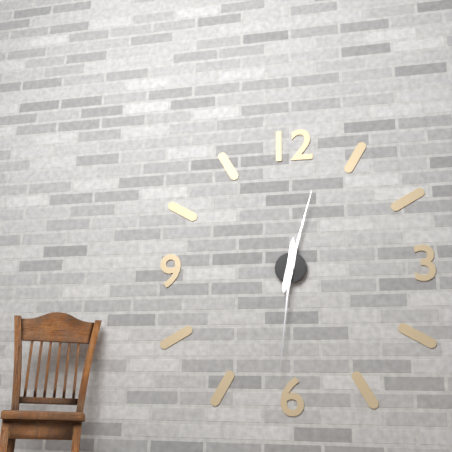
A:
h=12 m=31
